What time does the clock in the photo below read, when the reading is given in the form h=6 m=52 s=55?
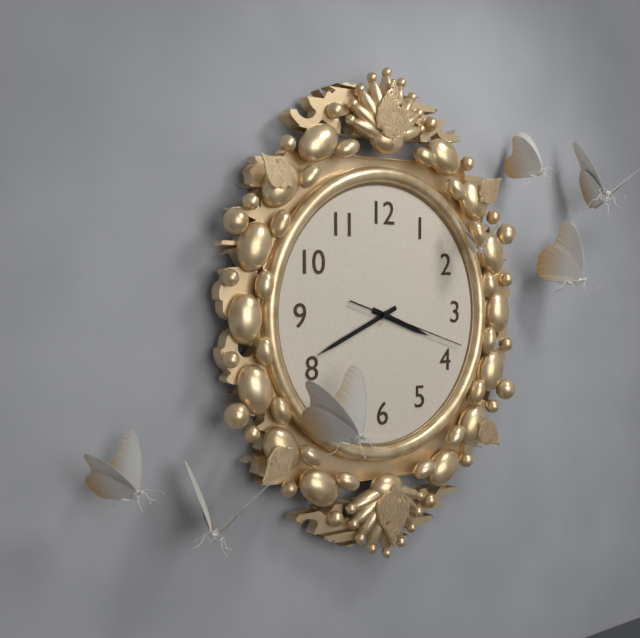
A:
h=3 m=41 s=18
